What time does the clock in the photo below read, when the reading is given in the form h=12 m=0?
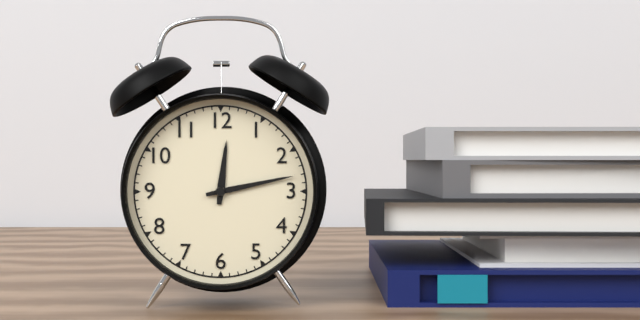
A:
h=12 m=13
